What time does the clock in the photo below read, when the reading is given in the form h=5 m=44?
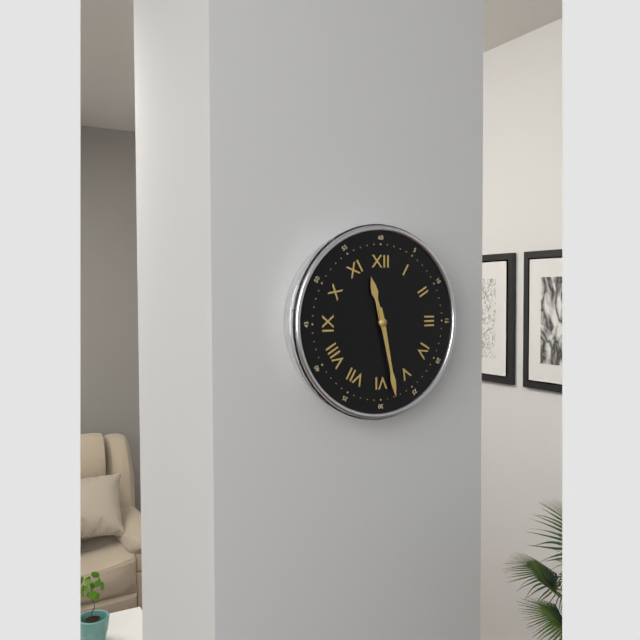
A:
h=11 m=28
